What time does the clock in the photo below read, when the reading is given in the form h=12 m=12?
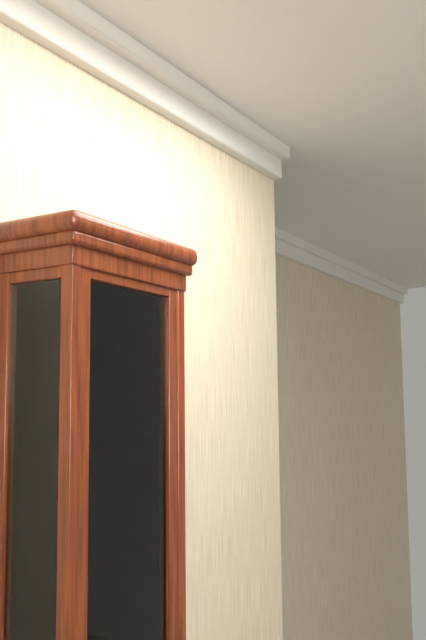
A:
h=8 m=43
